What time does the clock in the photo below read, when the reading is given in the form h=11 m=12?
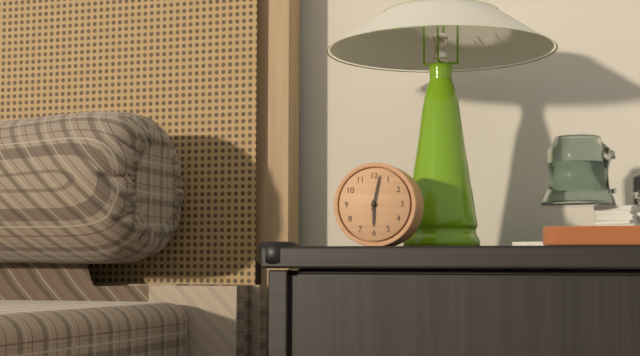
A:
h=6 m=2
